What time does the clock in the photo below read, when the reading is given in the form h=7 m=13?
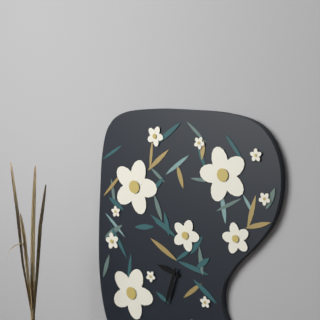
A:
h=9 m=33
